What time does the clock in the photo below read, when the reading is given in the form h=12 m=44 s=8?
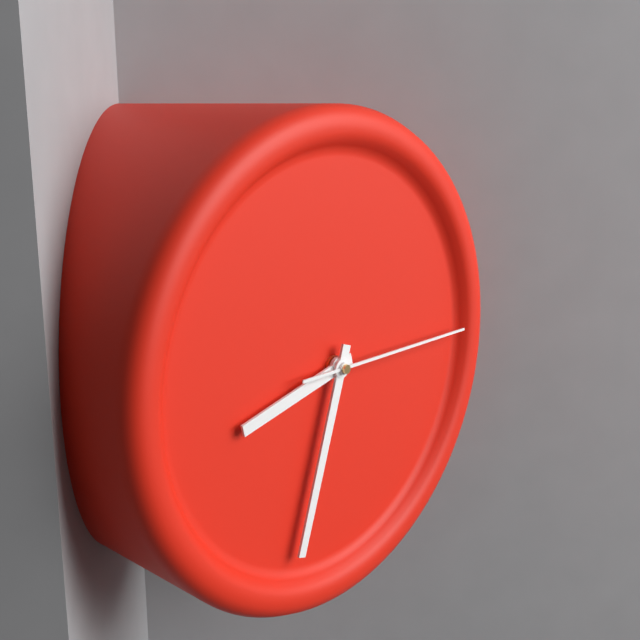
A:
h=8 m=33 s=15
